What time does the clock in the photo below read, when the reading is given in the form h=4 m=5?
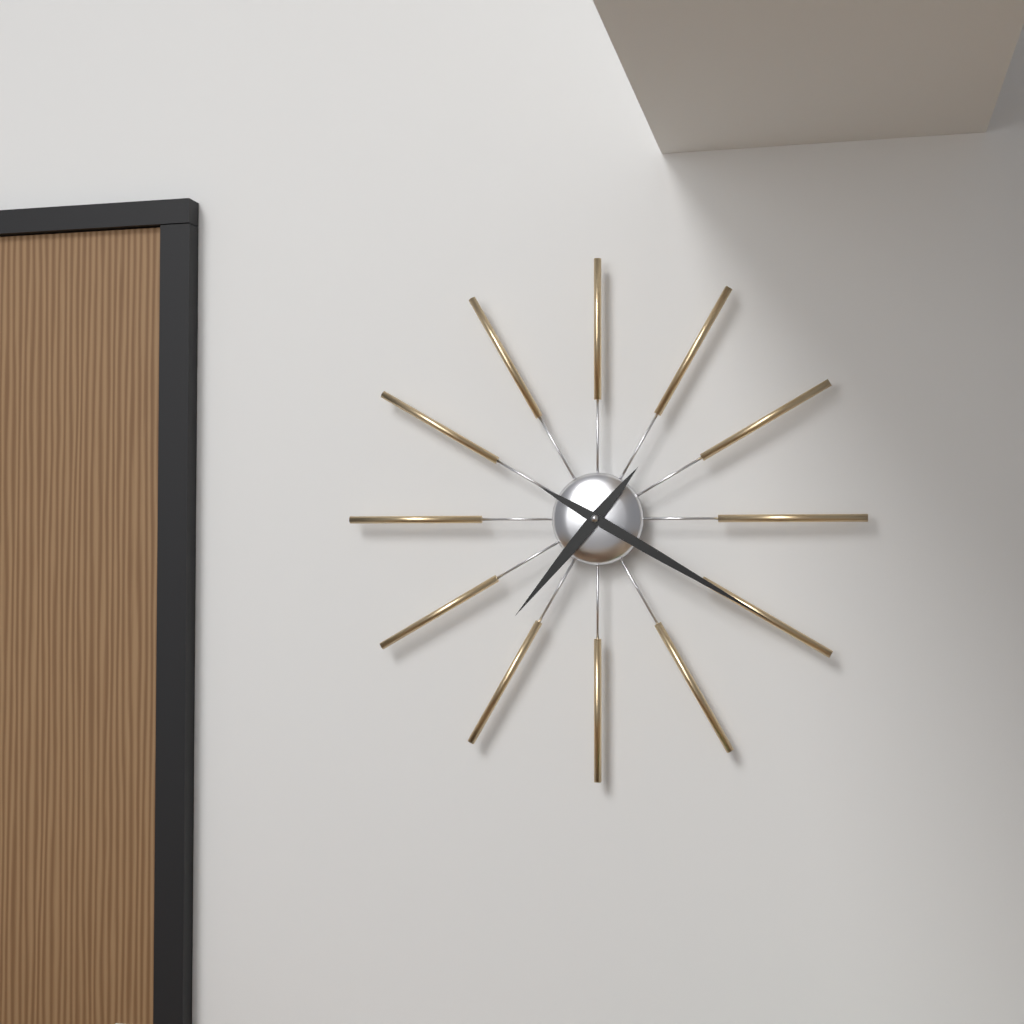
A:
h=7 m=20
